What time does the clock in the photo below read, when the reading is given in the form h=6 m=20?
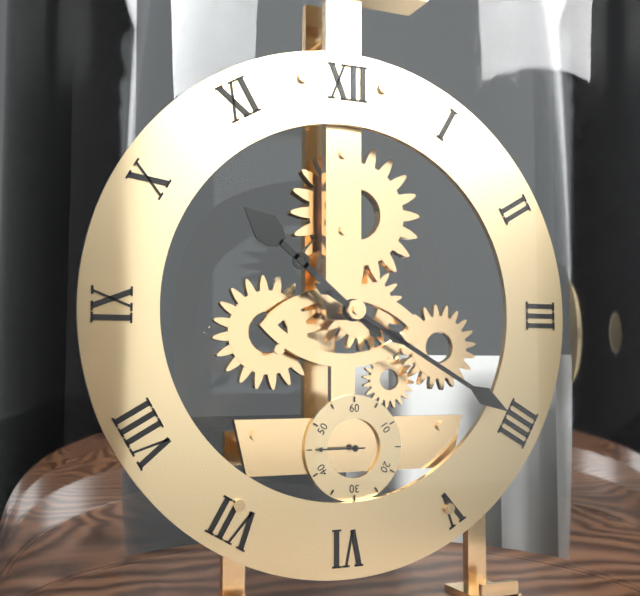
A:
h=10 m=20
